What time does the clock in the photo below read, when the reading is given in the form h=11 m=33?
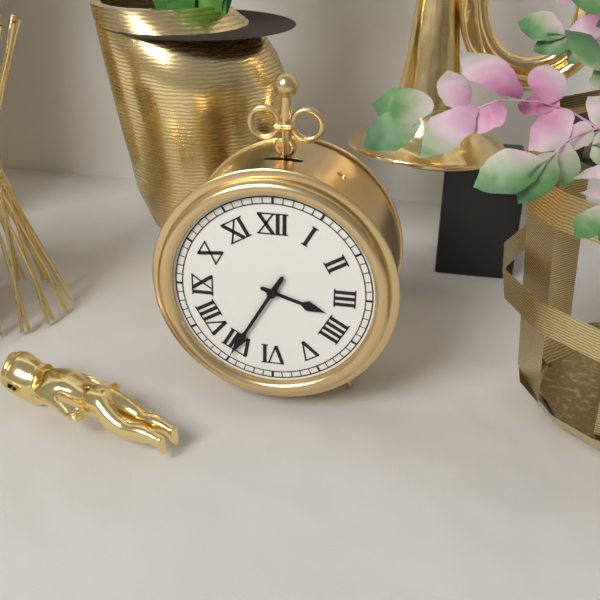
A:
h=3 m=35
